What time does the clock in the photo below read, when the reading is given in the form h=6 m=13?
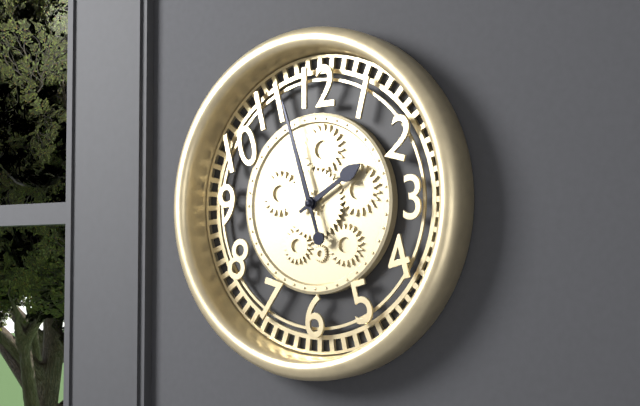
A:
h=1 m=57
